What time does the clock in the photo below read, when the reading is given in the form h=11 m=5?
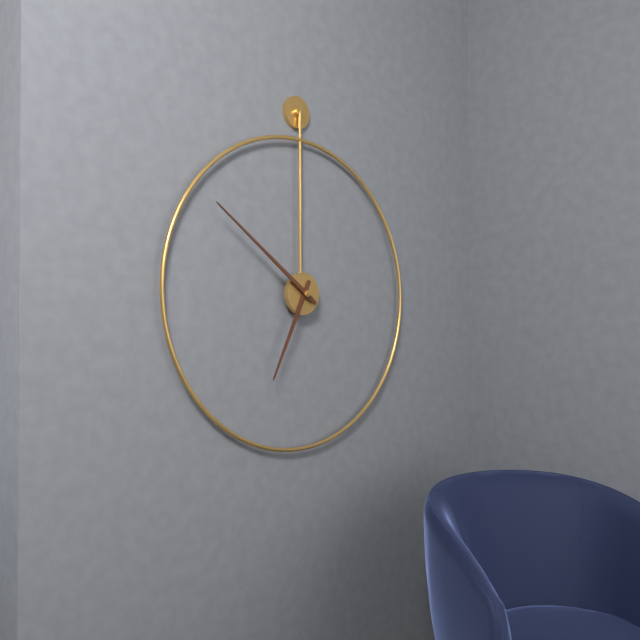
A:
h=6 m=51
